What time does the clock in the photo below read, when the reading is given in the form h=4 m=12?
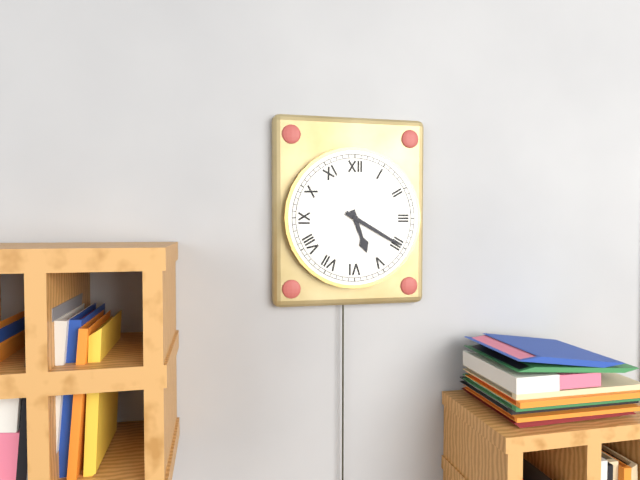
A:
h=5 m=20
